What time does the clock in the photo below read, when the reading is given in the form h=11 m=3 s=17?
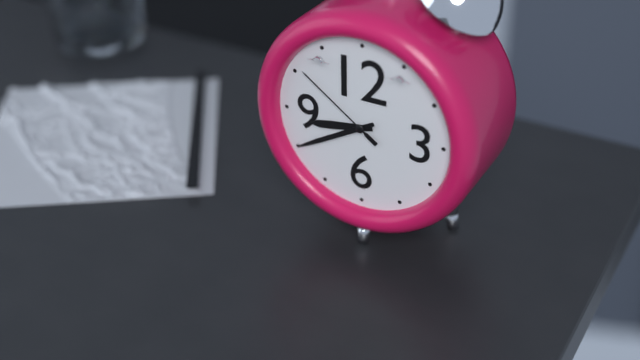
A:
h=8 m=40 s=51
